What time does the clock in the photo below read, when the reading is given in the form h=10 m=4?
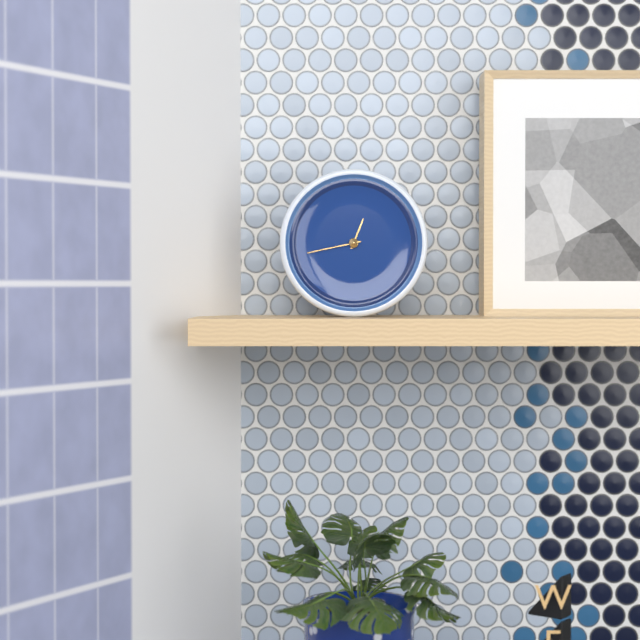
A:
h=12 m=43
